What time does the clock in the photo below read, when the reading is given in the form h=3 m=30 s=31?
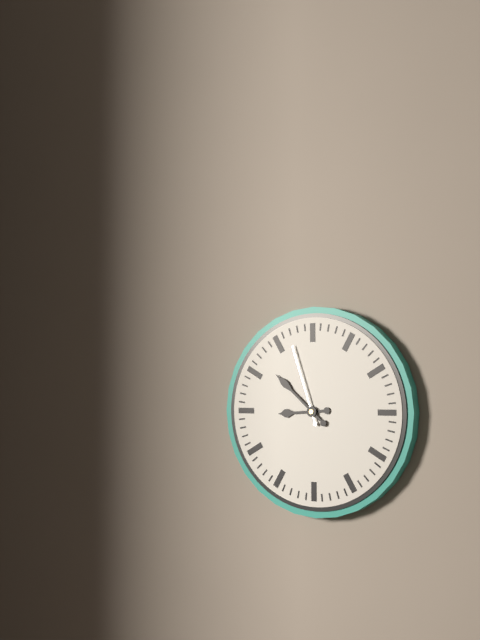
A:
h=8 m=52 s=57
